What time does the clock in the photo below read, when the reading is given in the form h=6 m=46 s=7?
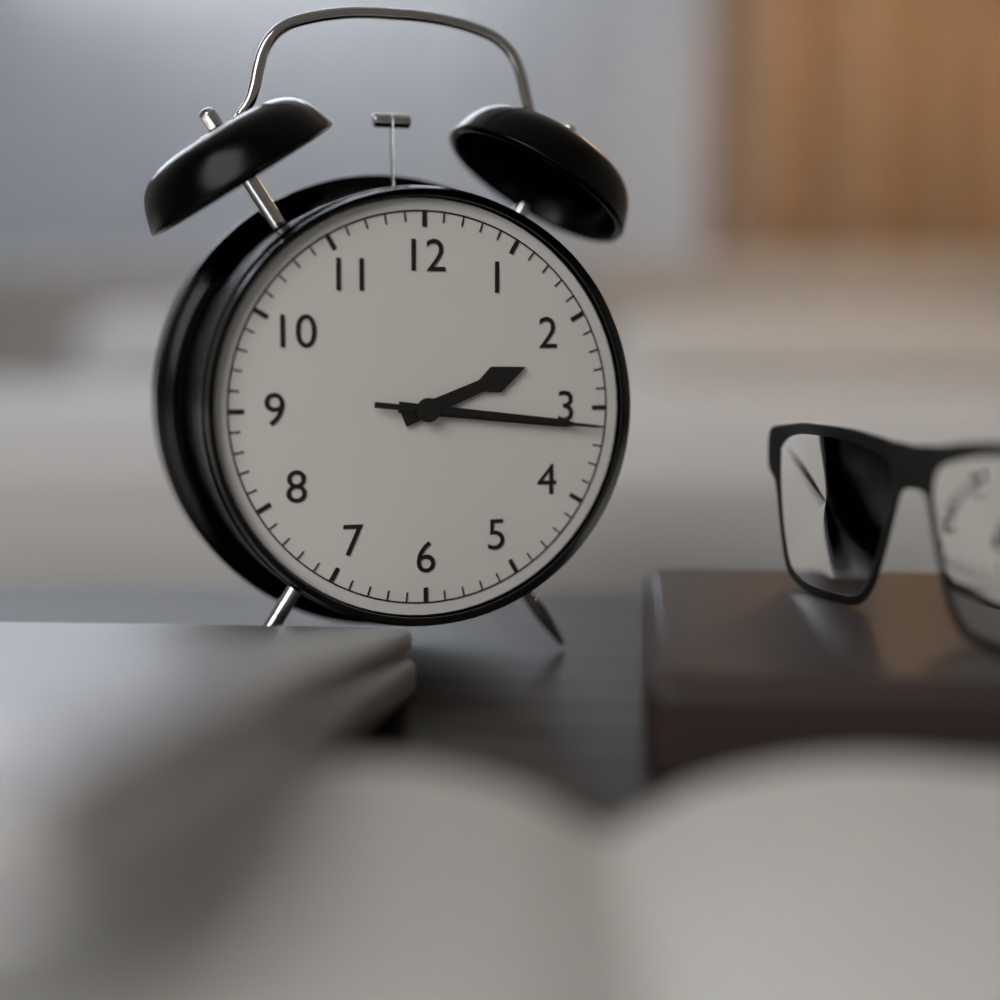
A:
h=2 m=16 s=16
